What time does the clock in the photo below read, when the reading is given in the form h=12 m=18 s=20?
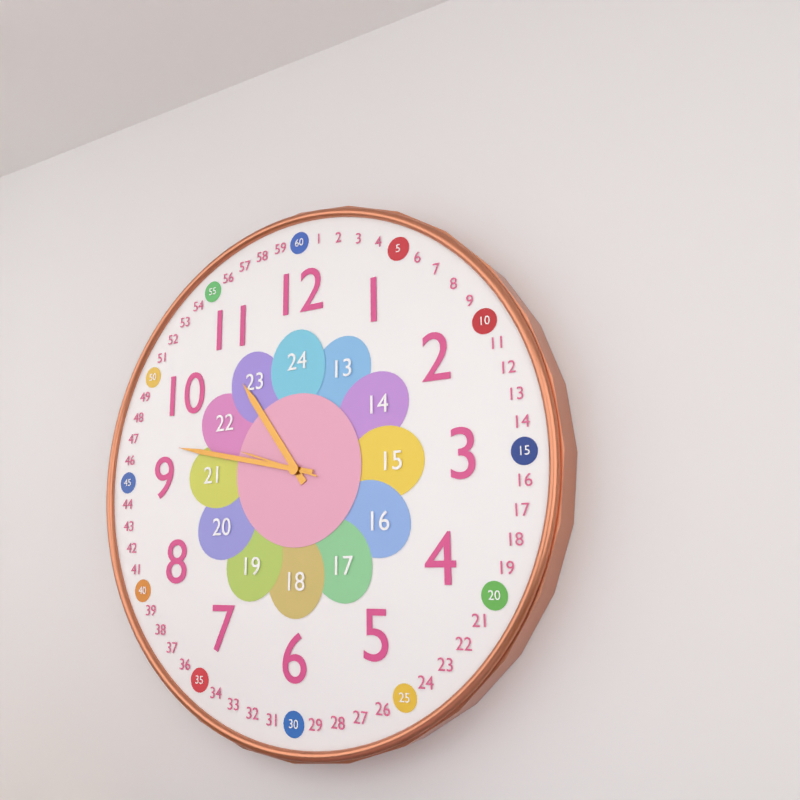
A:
h=10 m=47 s=48
